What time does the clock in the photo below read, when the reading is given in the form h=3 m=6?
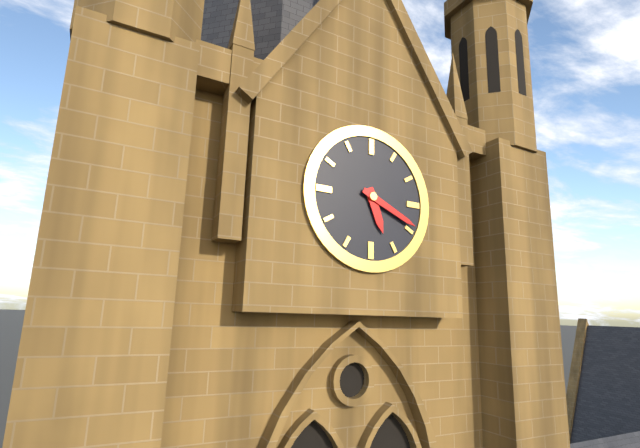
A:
h=5 m=19
